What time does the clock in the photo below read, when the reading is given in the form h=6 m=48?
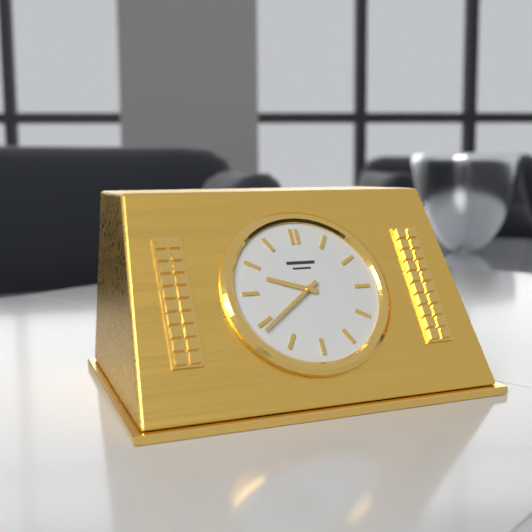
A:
h=9 m=39
